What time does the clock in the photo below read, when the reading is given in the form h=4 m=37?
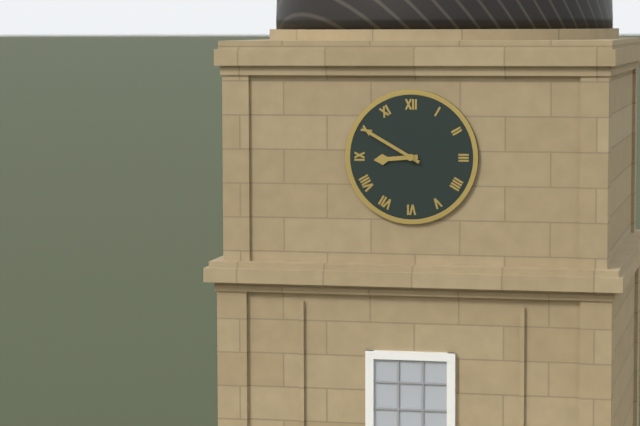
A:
h=8 m=50
